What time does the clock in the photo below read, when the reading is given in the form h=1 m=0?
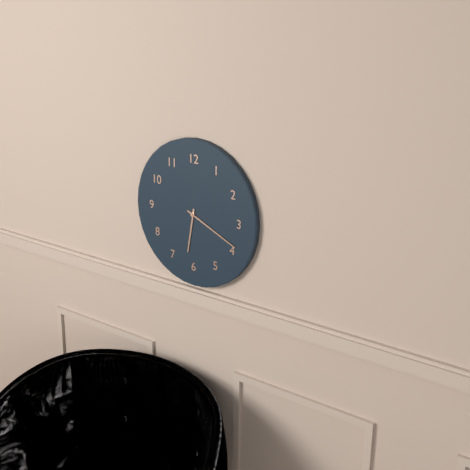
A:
h=6 m=19
